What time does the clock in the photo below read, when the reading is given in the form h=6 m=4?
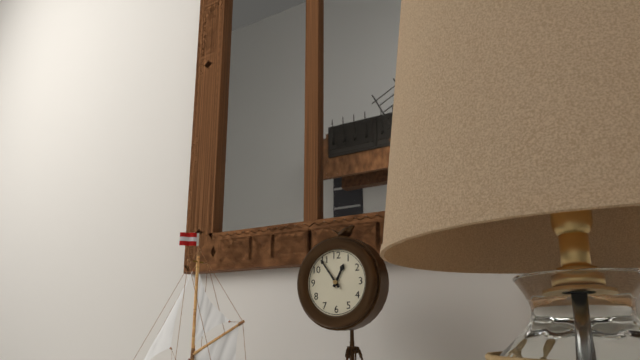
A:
h=12 m=54
